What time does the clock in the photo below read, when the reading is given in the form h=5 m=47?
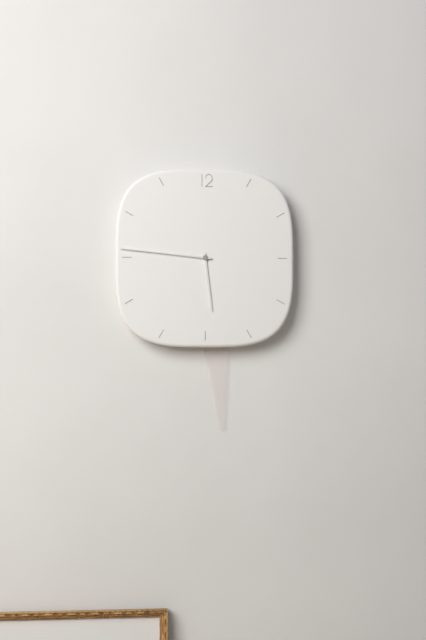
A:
h=5 m=46
